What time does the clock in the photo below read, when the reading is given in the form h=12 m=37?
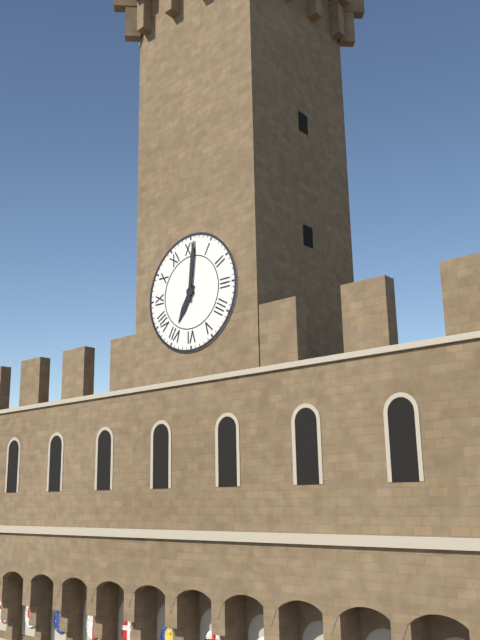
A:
h=7 m=1
